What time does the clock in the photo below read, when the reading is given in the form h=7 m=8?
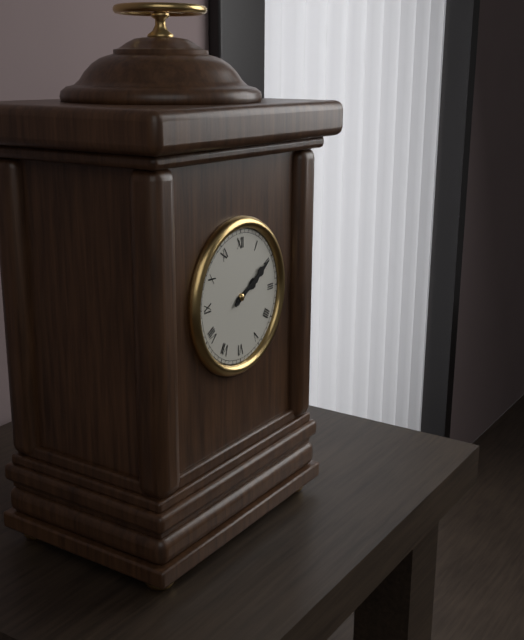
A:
h=2 m=10
